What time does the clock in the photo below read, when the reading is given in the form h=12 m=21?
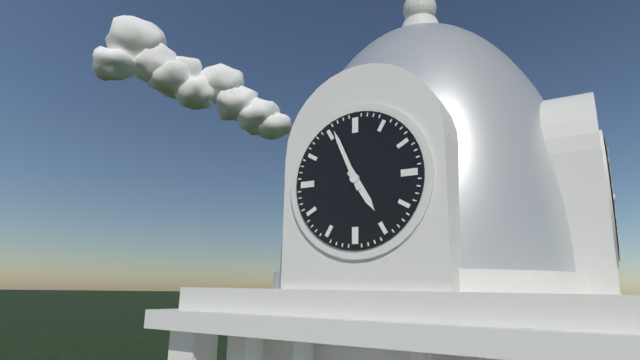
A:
h=4 m=56
